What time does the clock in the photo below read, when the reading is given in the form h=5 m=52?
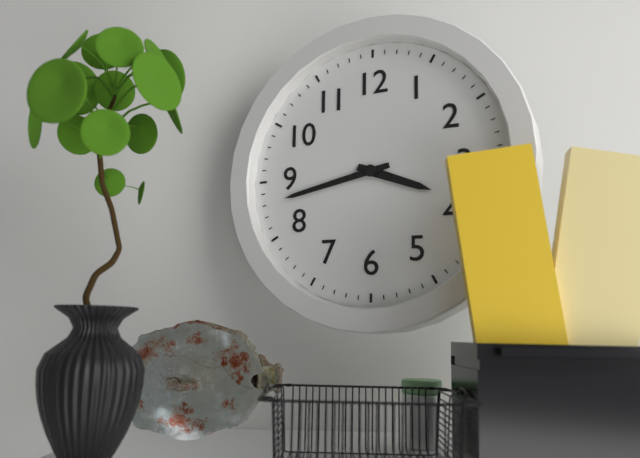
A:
h=3 m=43
